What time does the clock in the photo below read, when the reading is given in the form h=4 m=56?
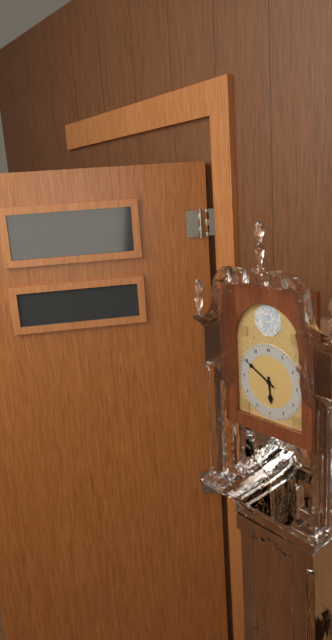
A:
h=5 m=50
